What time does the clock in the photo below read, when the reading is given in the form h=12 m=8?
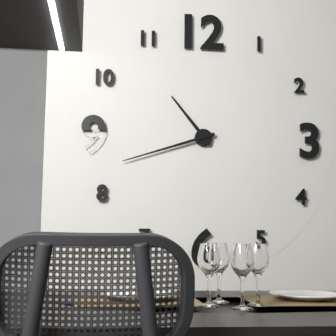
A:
h=10 m=42
